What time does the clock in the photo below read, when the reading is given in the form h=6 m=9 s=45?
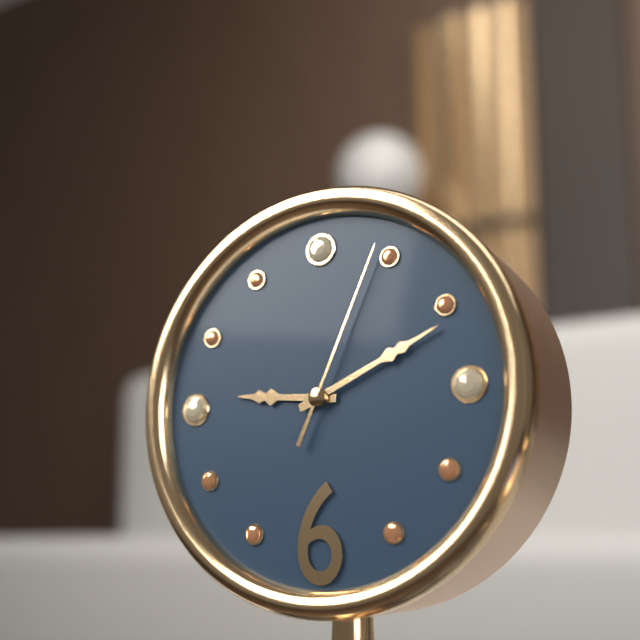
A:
h=9 m=11 s=4
